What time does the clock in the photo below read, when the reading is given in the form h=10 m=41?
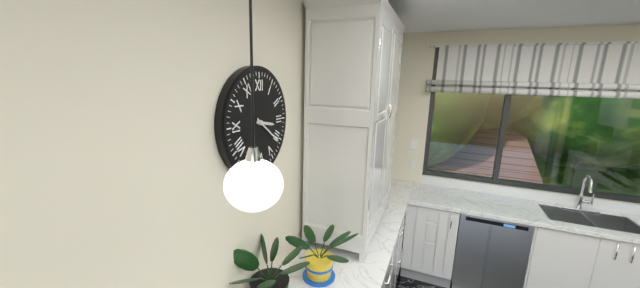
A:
h=3 m=21
